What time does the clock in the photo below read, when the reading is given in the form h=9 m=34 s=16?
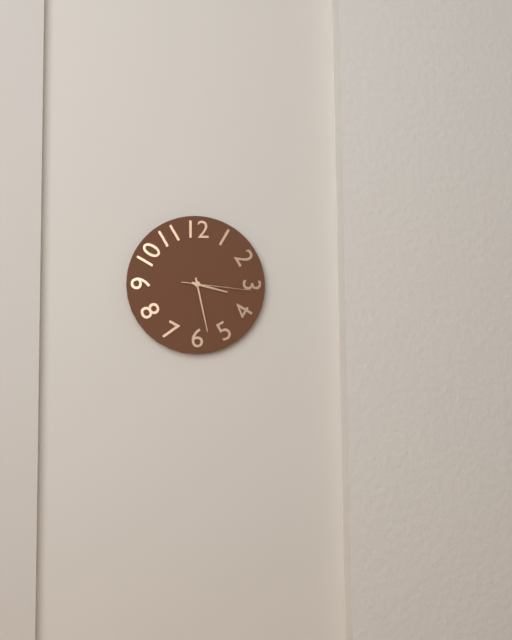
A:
h=3 m=28 s=16
